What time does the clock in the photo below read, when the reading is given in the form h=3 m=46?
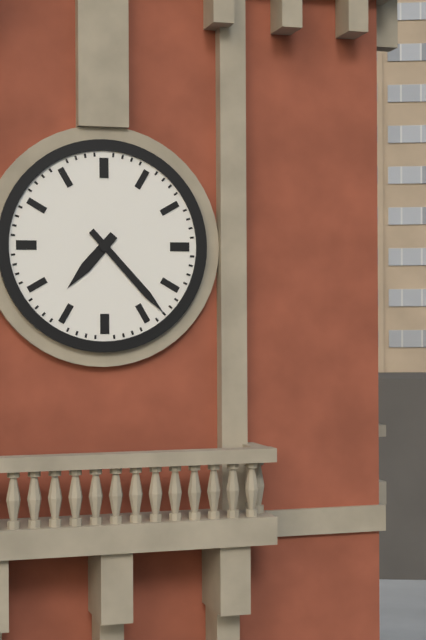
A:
h=7 m=23
